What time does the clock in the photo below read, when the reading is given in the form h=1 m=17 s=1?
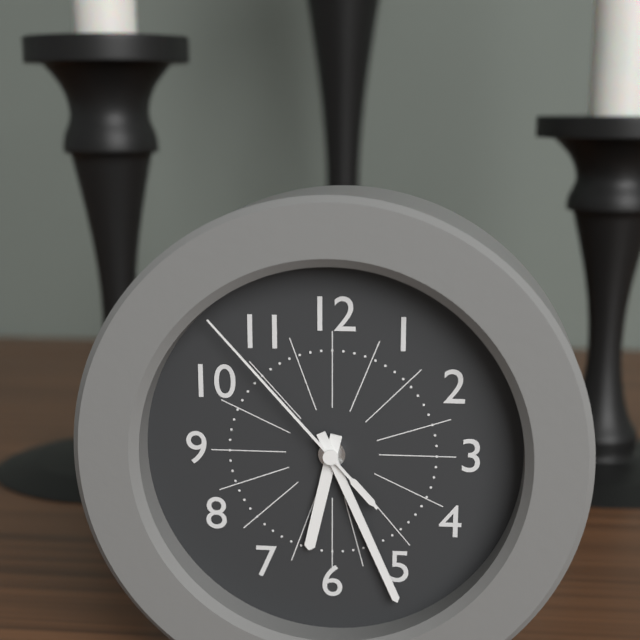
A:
h=6 m=26 s=53
